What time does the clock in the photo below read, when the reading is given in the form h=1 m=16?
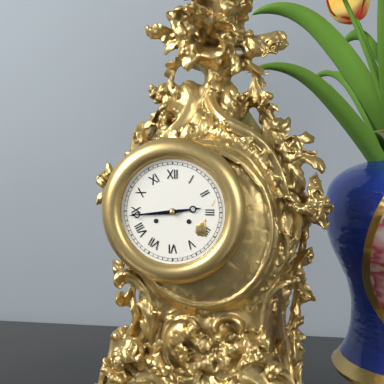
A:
h=2 m=44
